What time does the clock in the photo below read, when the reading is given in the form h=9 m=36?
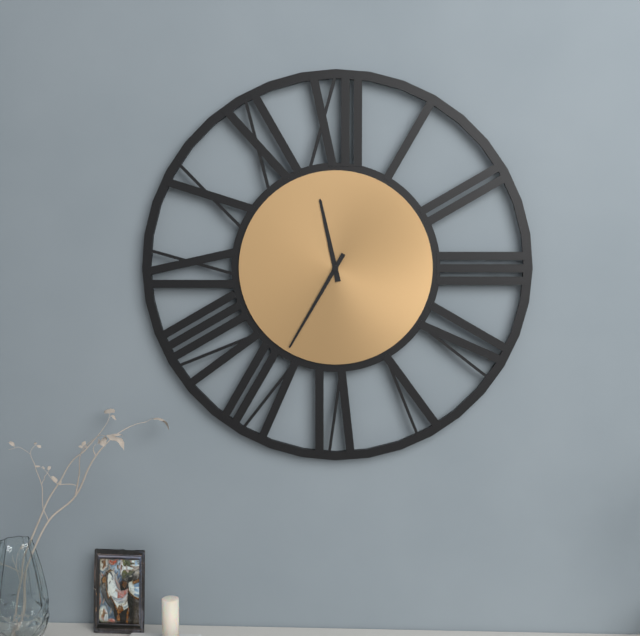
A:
h=11 m=35
